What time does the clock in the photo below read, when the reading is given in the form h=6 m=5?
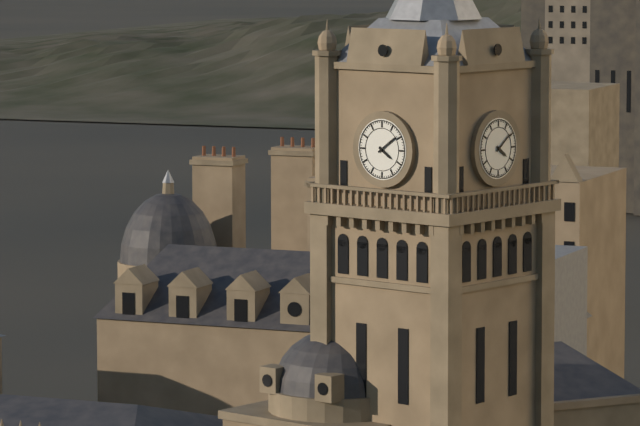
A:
h=4 m=9
